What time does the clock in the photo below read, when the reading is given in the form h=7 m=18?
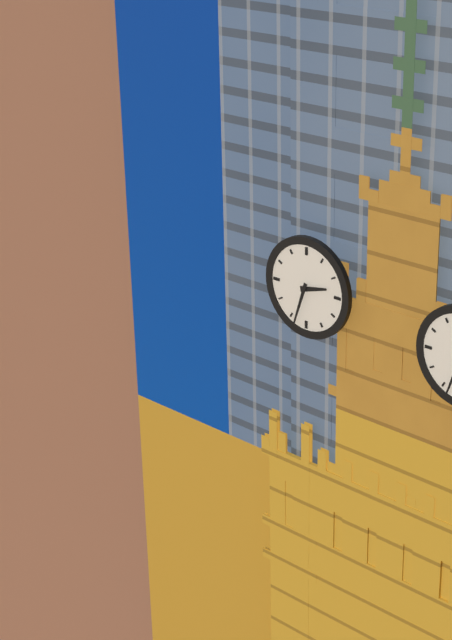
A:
h=2 m=33
